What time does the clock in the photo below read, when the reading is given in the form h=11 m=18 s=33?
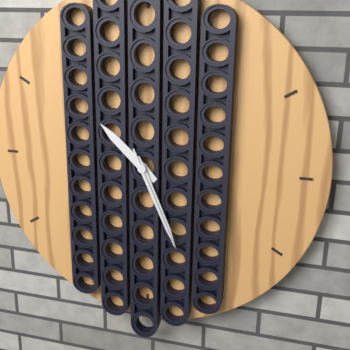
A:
h=10 m=26 s=26
